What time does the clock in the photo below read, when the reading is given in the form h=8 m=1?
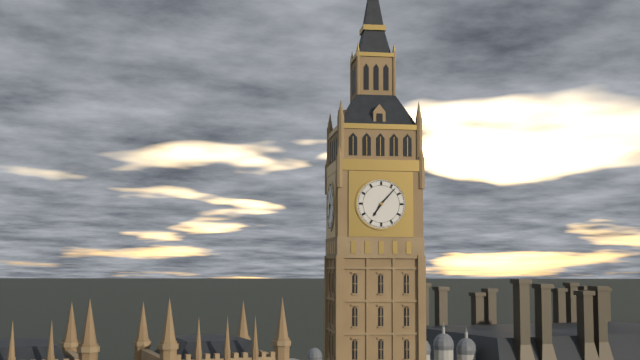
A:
h=7 m=7
